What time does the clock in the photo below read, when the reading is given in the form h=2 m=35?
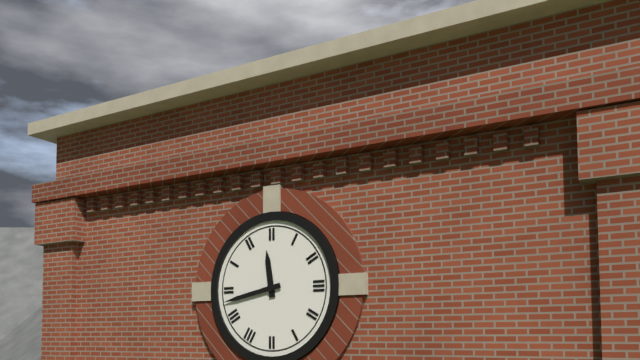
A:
h=11 m=43
